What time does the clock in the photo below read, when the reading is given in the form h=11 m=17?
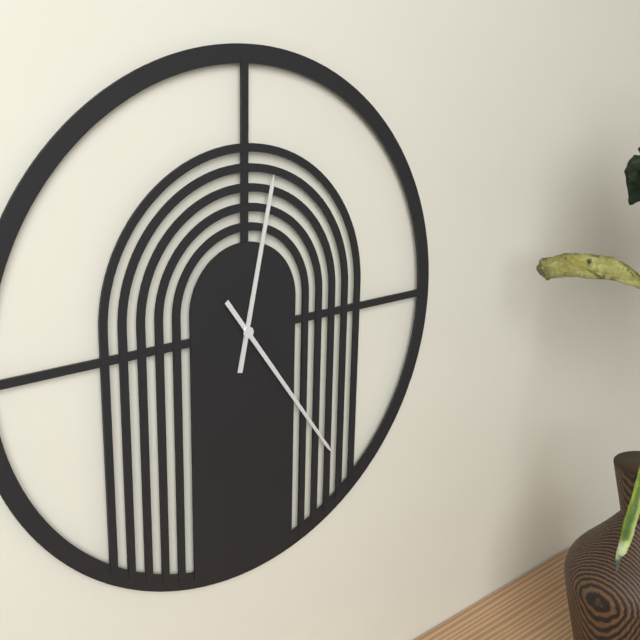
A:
h=12 m=24
